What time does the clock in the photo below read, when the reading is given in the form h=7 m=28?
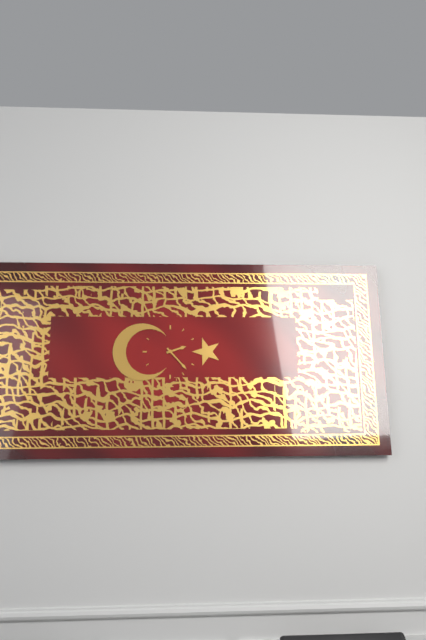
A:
h=2 m=23
